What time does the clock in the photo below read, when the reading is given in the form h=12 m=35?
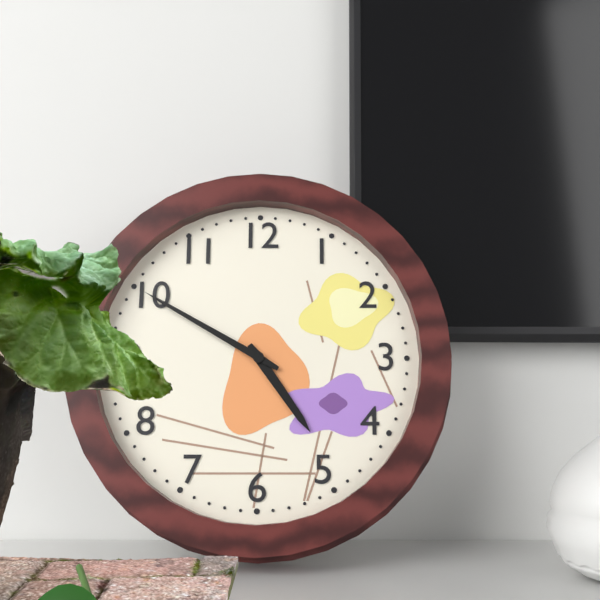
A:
h=4 m=50
